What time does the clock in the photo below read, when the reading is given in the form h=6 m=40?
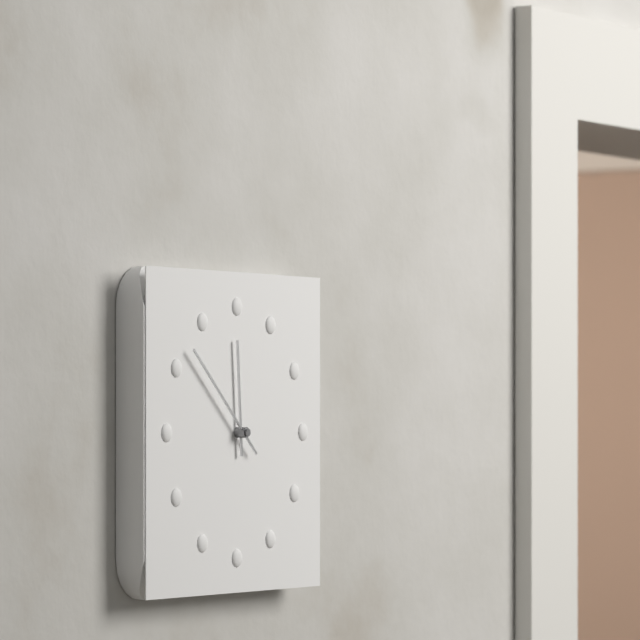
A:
h=11 m=52
